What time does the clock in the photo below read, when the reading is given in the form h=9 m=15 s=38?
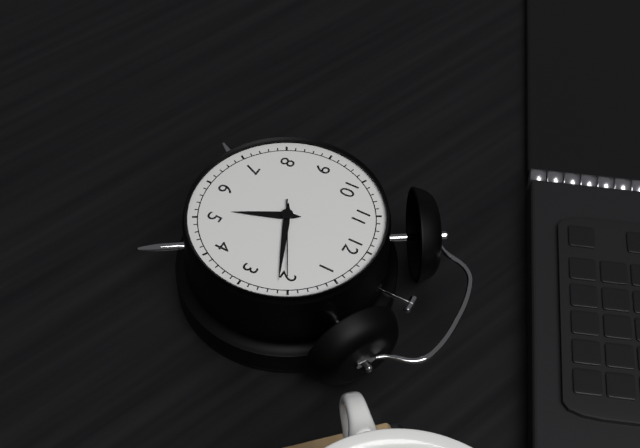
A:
h=5 m=11 s=10
